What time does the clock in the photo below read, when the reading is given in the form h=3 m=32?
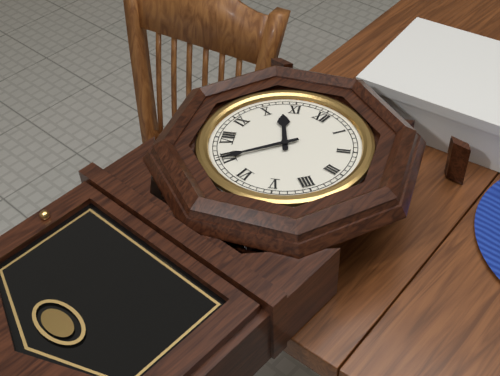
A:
h=10 m=35
